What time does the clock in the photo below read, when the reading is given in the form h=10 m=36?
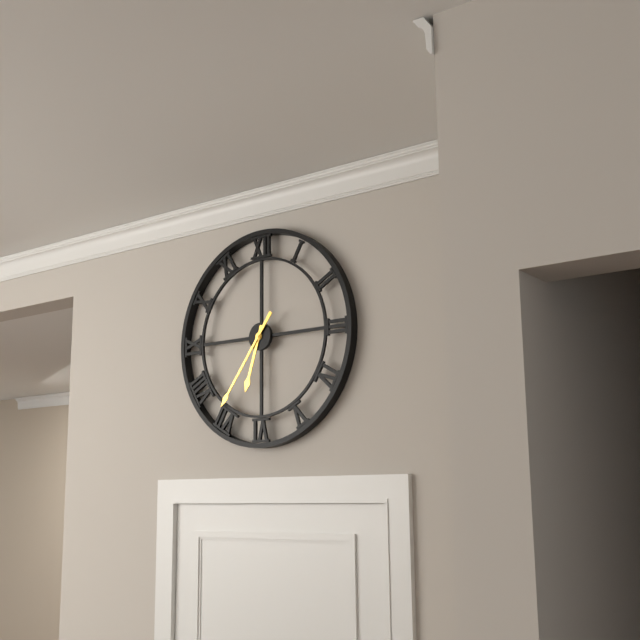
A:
h=6 m=36
